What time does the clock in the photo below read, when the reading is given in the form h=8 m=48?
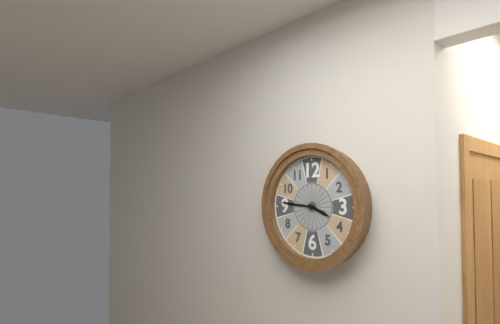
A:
h=3 m=46
